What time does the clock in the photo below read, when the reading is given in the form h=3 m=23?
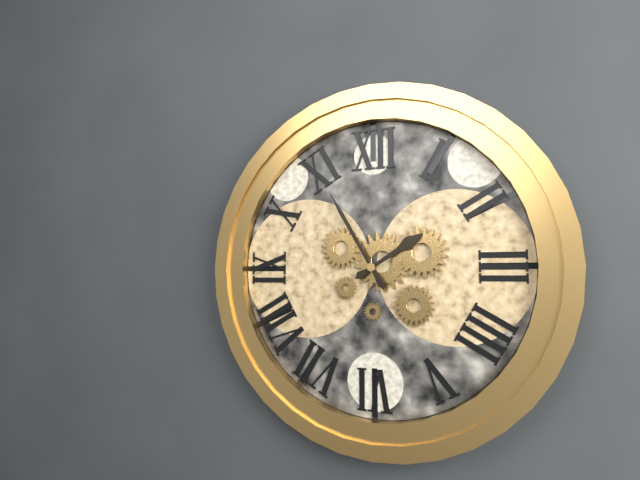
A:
h=1 m=55
